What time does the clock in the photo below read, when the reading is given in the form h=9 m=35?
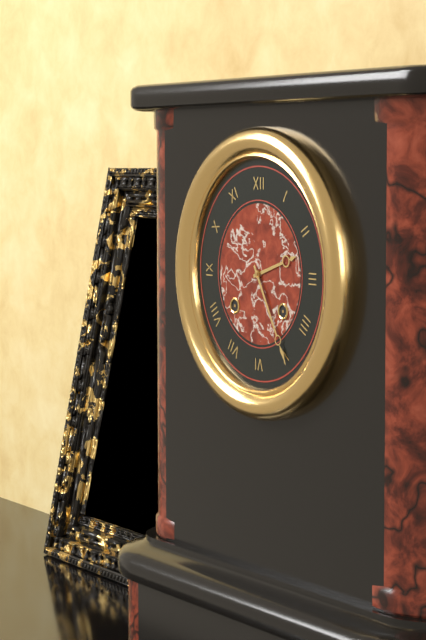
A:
h=2 m=25
